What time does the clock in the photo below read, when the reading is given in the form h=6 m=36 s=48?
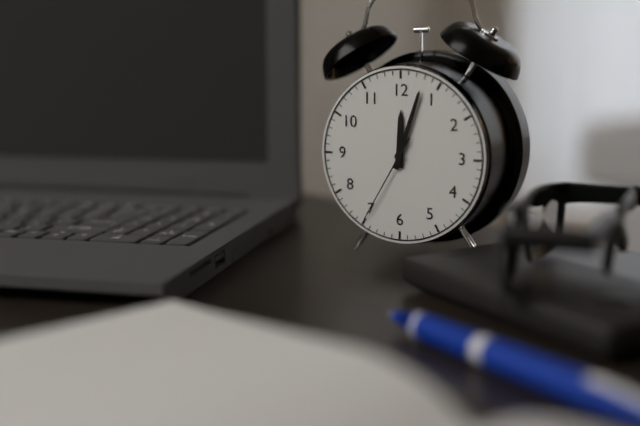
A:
h=12 m=3 s=35
